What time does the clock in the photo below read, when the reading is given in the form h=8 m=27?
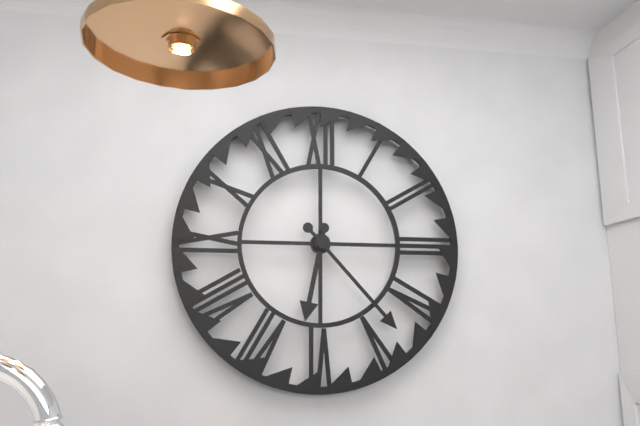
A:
h=6 m=23
